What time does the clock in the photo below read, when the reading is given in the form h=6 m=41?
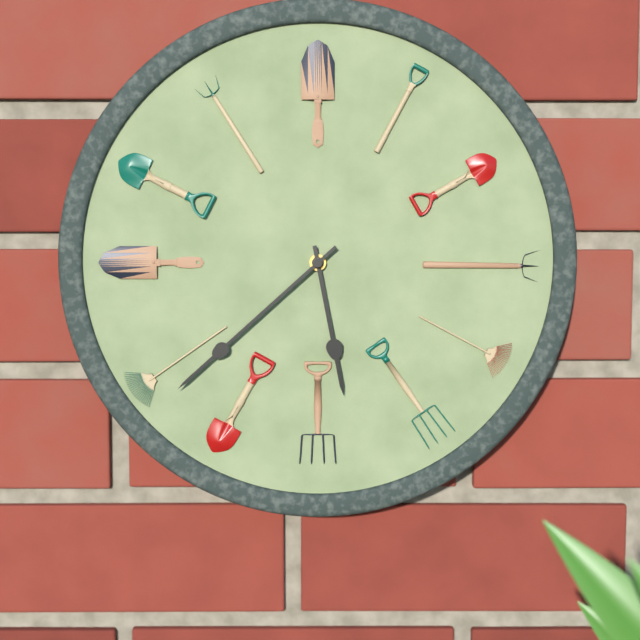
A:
h=5 m=38
